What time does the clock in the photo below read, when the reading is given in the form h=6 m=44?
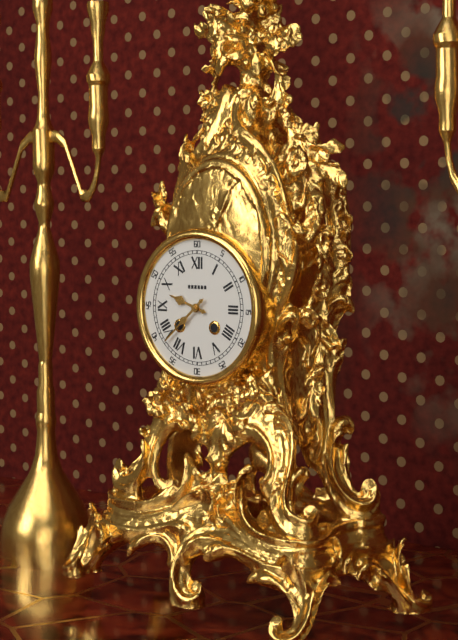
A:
h=9 m=38
